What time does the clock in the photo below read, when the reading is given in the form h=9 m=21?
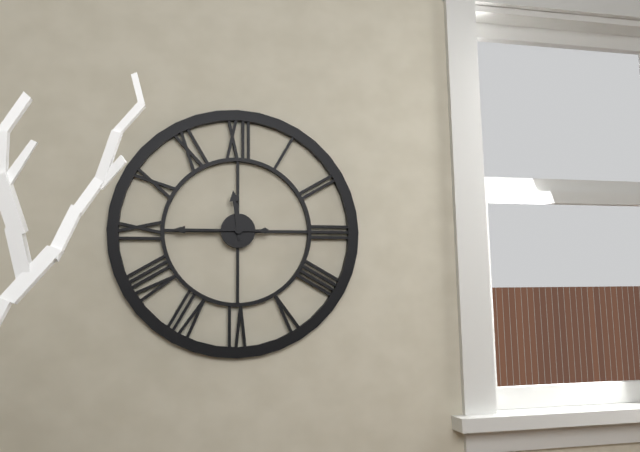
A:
h=11 m=45
